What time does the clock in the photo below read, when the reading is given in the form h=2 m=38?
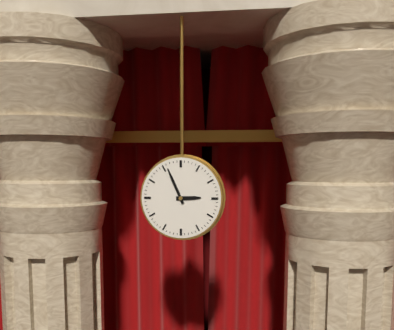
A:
h=2 m=56
